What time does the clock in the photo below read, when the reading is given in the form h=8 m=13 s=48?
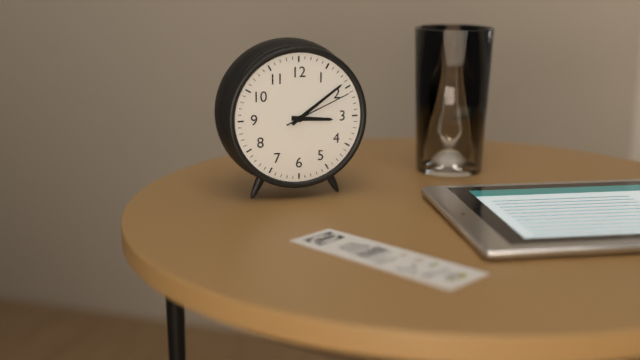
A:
h=3 m=9 s=11
